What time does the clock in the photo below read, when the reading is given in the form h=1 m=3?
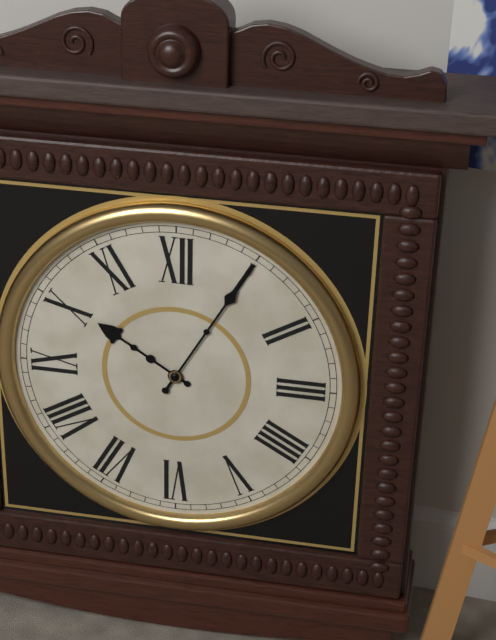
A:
h=10 m=5
